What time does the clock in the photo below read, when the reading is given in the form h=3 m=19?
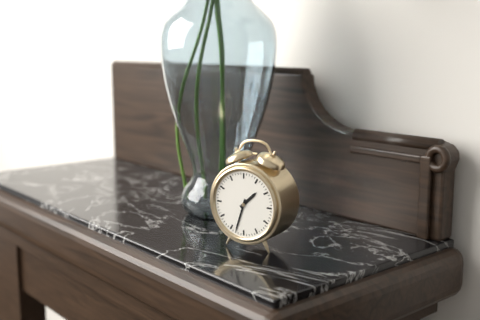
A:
h=1 m=33
